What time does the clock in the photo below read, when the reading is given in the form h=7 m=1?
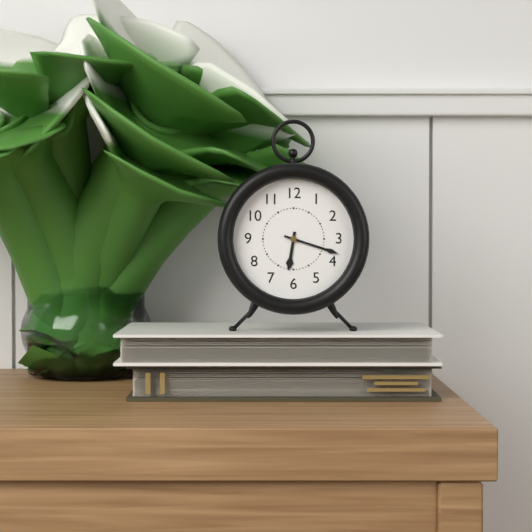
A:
h=6 m=18
